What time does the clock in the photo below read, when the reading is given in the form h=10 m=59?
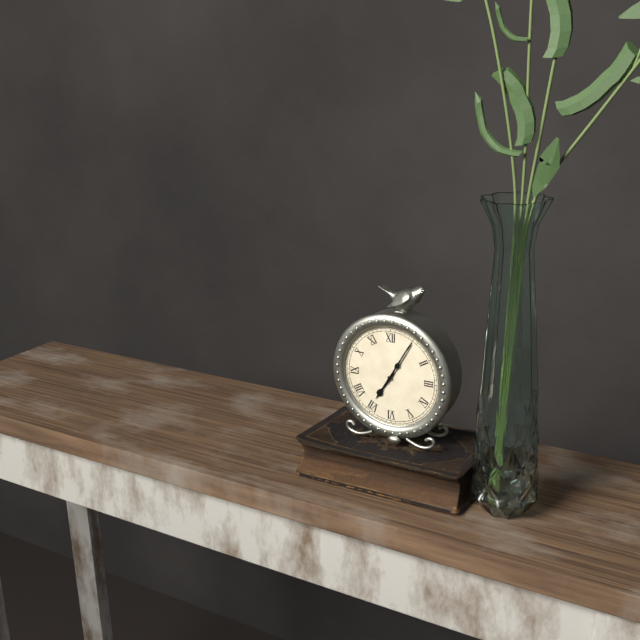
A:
h=7 m=5
